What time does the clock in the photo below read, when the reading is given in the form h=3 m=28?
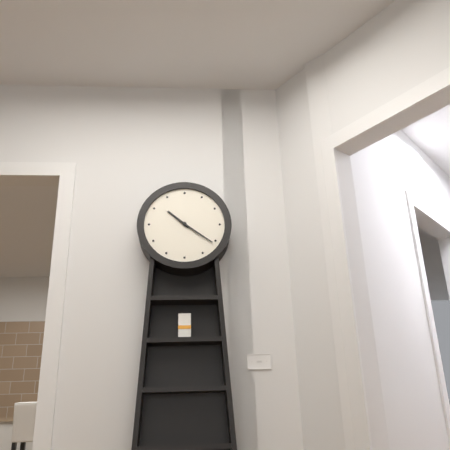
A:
h=10 m=21
